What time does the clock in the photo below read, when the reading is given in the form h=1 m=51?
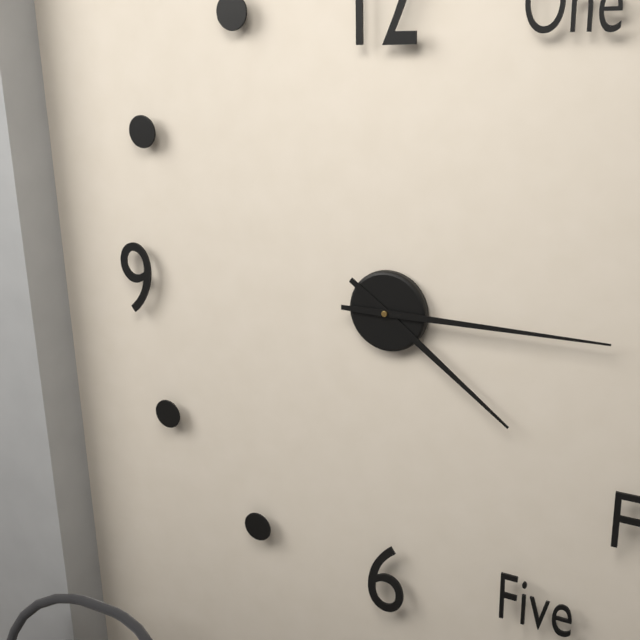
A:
h=4 m=15
